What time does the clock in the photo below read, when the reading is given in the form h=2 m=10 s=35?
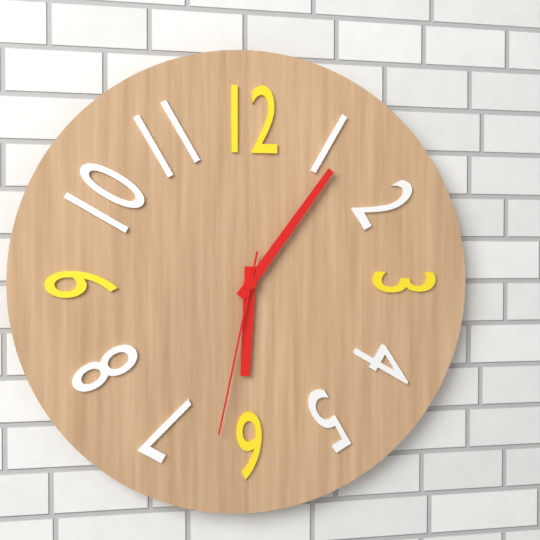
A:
h=6 m=6 s=32
